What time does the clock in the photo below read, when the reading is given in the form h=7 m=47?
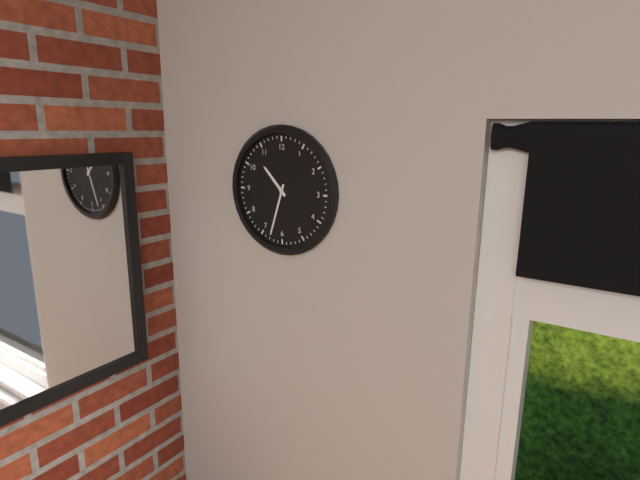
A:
h=10 m=33
